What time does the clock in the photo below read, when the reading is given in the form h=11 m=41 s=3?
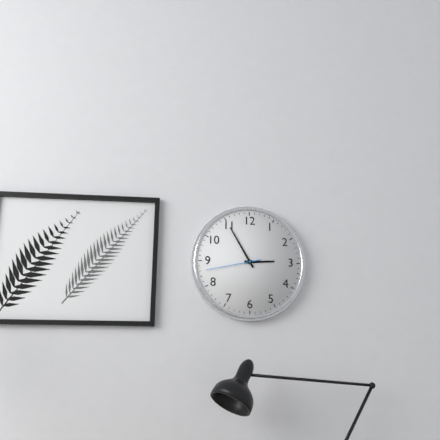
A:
h=2 m=55 s=43
